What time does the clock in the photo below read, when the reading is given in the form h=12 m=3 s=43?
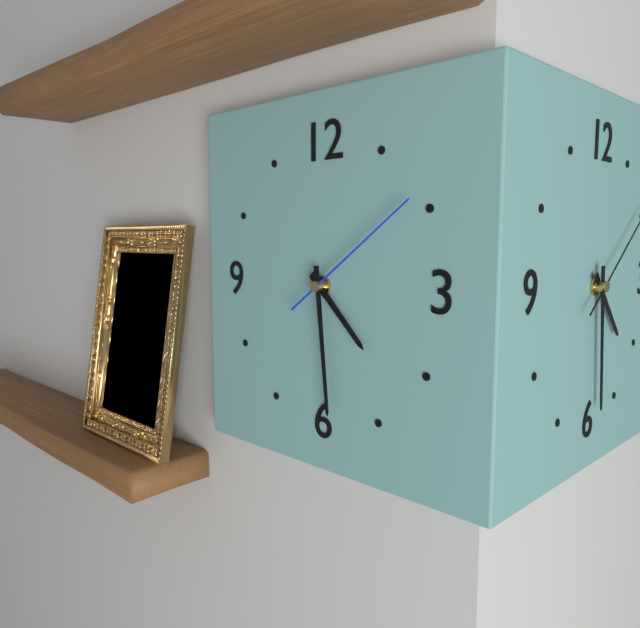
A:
h=4 m=29 s=9
